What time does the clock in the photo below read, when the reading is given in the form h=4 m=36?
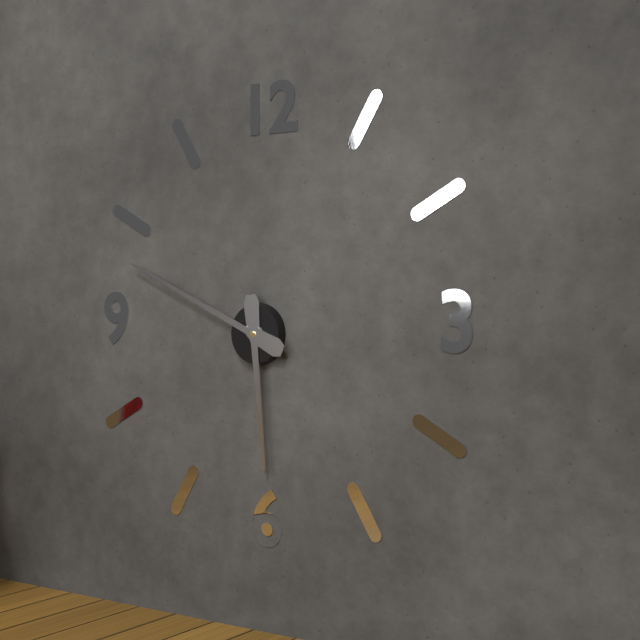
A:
h=5 m=49
